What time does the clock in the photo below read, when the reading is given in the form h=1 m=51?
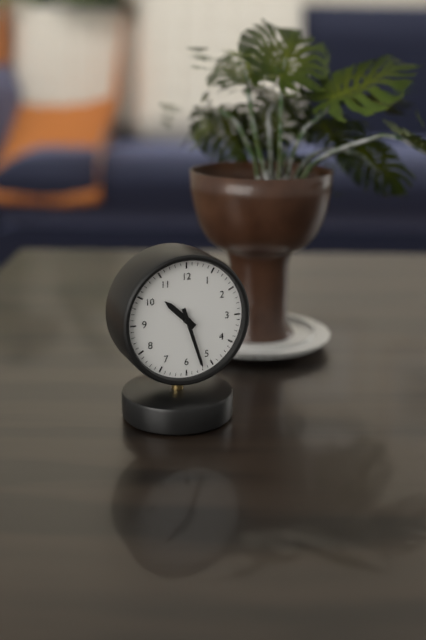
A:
h=10 m=27
